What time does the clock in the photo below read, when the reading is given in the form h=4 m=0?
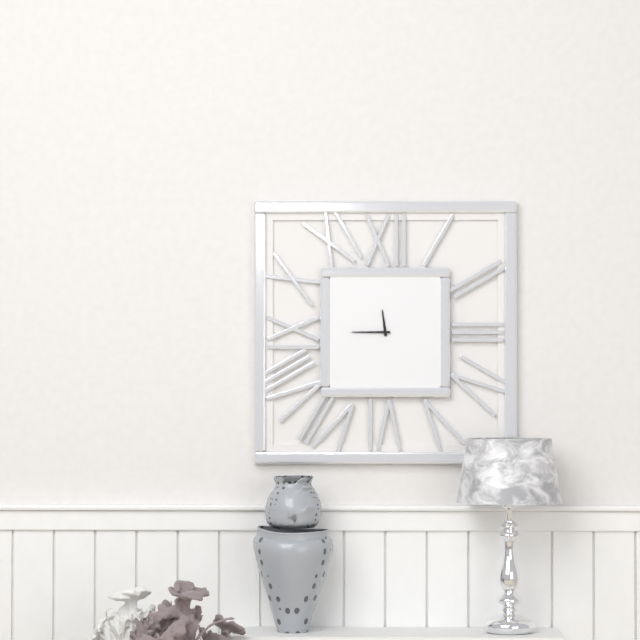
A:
h=11 m=45
